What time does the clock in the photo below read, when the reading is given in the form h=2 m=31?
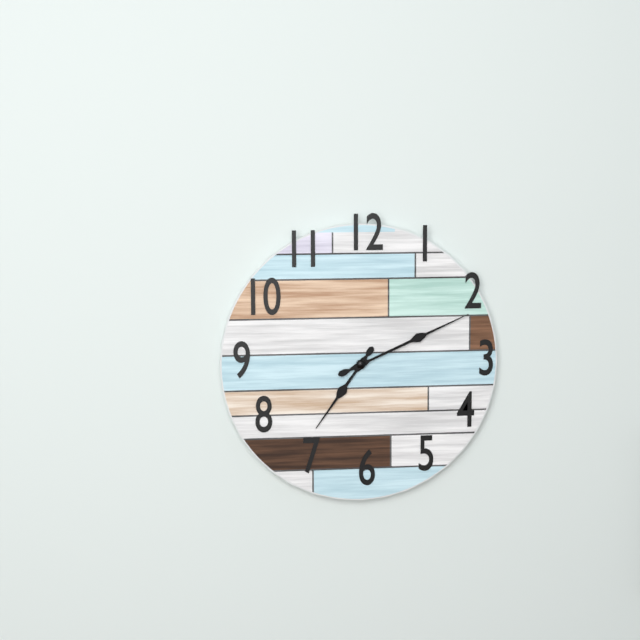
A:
h=7 m=11
